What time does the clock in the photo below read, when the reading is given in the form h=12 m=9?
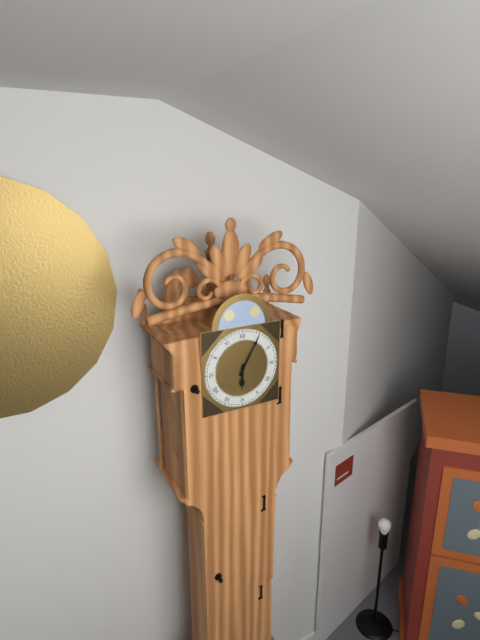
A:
h=6 m=5
